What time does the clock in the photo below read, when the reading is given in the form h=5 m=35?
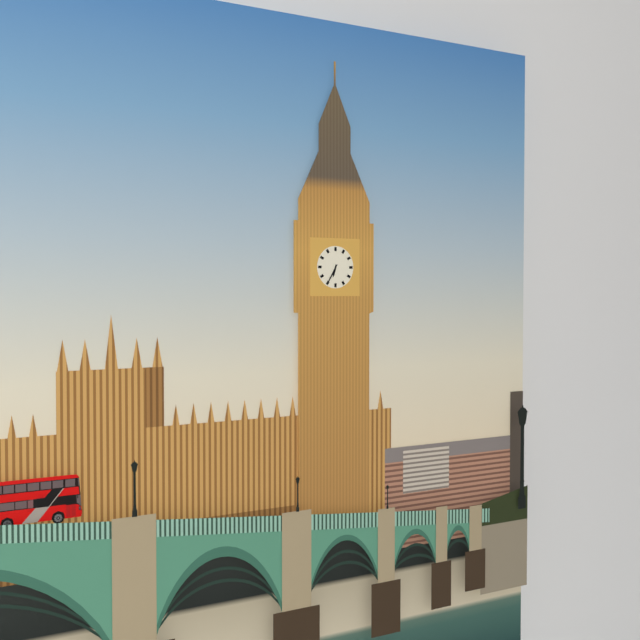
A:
h=6 m=35
